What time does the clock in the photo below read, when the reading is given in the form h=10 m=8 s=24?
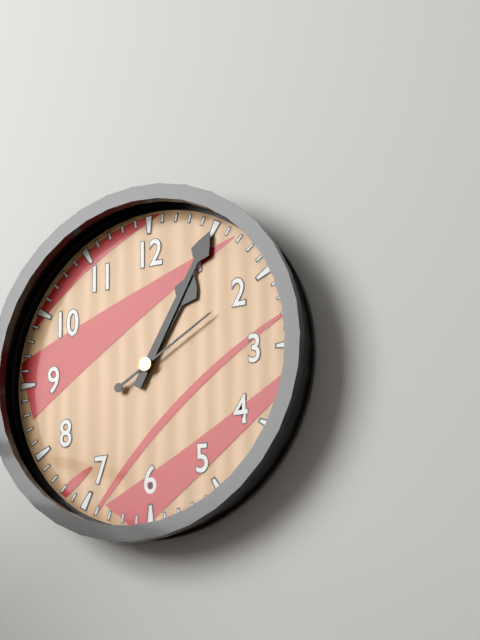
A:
h=1 m=5 s=10
